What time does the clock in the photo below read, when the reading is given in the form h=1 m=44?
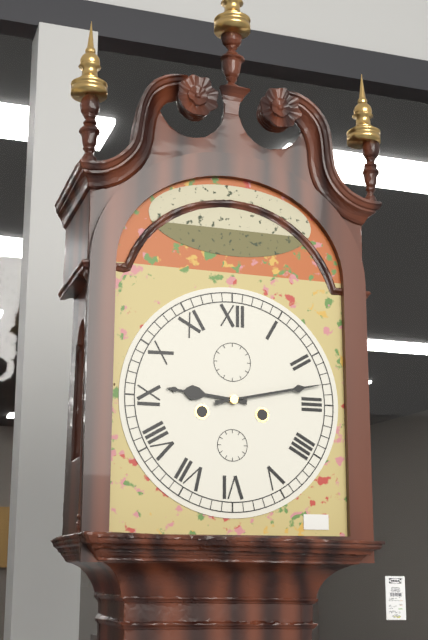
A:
h=9 m=13
